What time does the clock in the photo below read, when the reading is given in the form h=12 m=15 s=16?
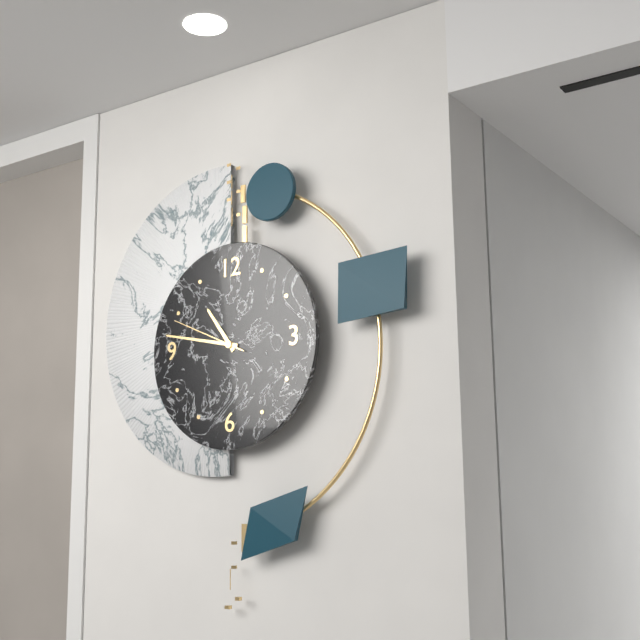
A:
h=10 m=47 s=49
